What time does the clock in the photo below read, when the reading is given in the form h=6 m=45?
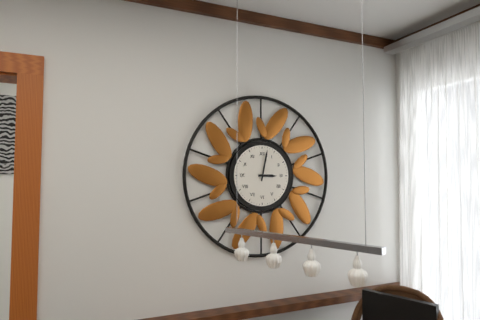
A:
h=3 m=2
